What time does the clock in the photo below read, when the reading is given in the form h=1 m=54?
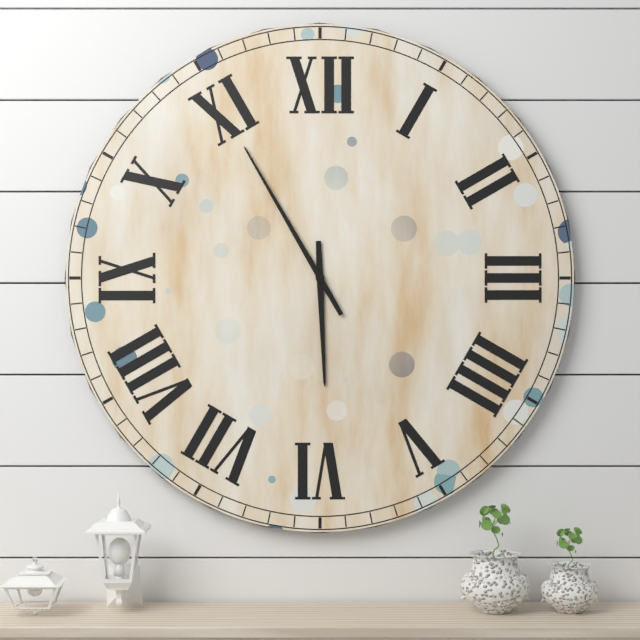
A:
h=5 m=55
